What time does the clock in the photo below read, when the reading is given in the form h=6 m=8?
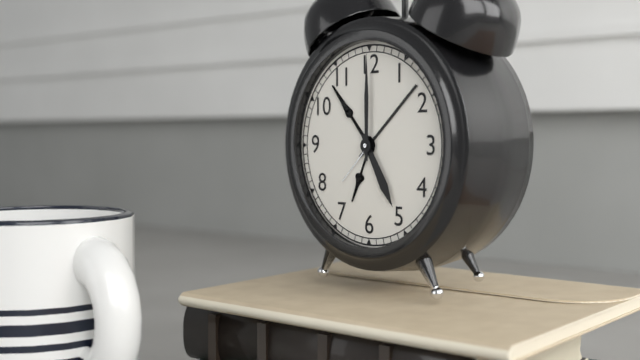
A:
h=5 m=0
